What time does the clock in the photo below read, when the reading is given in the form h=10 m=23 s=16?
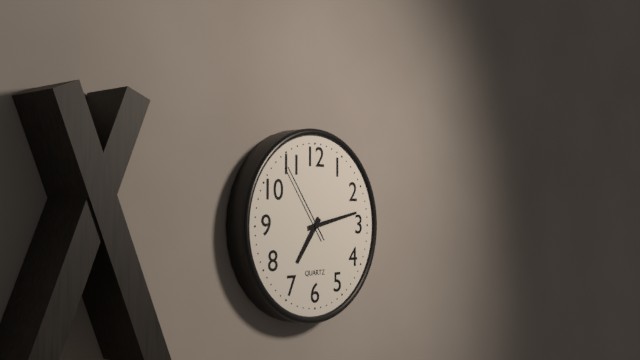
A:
h=7 m=13 s=54
